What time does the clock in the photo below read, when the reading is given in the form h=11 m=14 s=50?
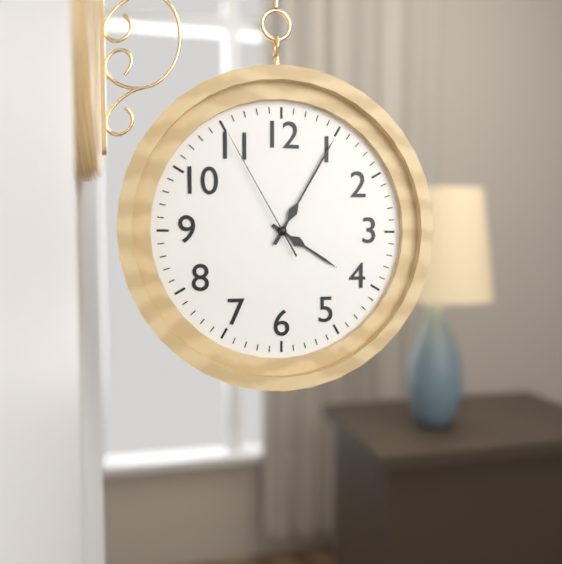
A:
h=4 m=5 s=55
